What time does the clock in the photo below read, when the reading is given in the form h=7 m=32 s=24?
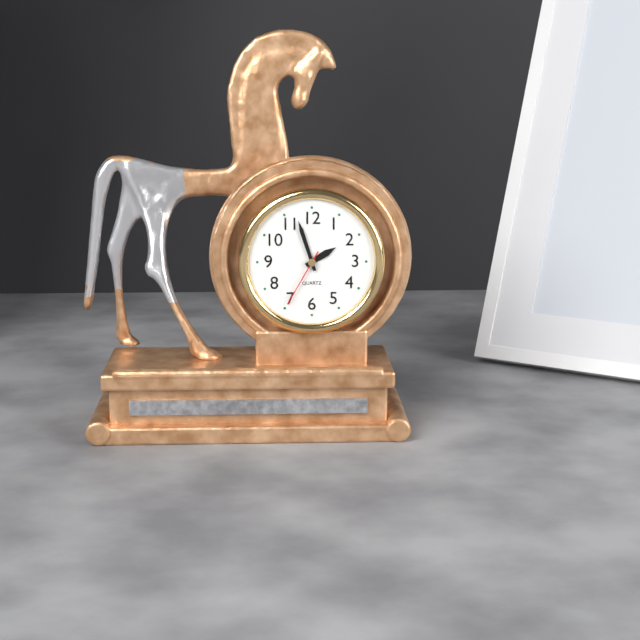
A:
h=1 m=57 s=35
